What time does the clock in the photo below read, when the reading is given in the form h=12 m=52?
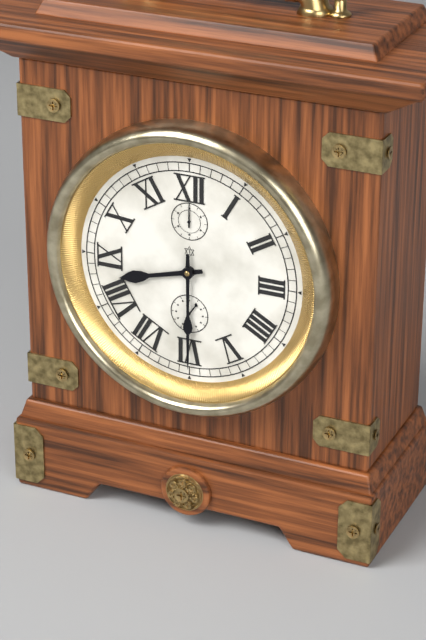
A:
h=8 m=30
